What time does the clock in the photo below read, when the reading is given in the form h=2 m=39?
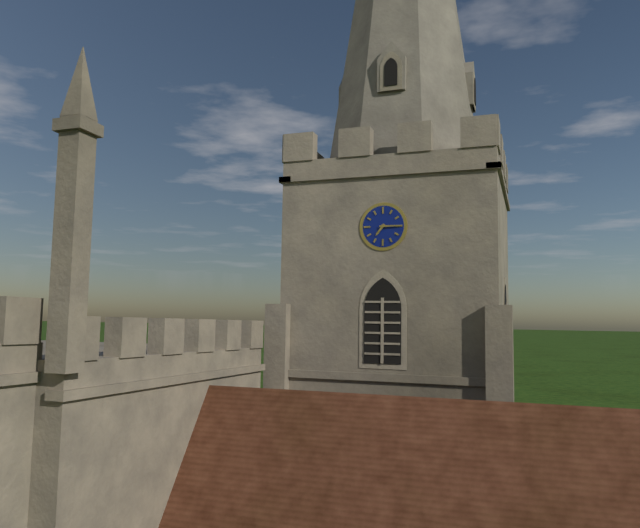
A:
h=7 m=15
